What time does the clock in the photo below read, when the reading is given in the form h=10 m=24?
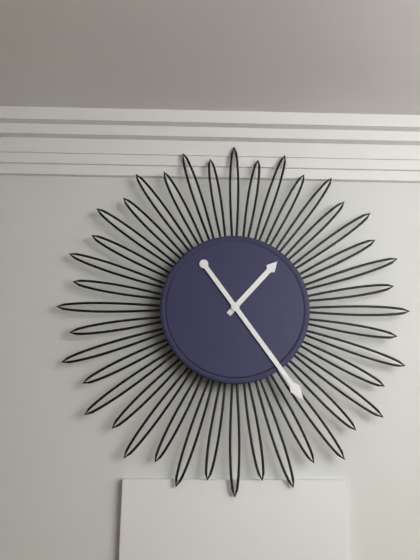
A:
h=1 m=24
